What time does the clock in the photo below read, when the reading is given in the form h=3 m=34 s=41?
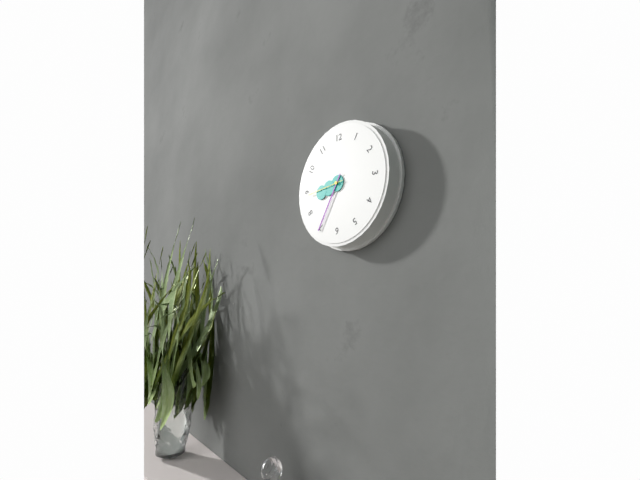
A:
h=8 m=35 s=44
